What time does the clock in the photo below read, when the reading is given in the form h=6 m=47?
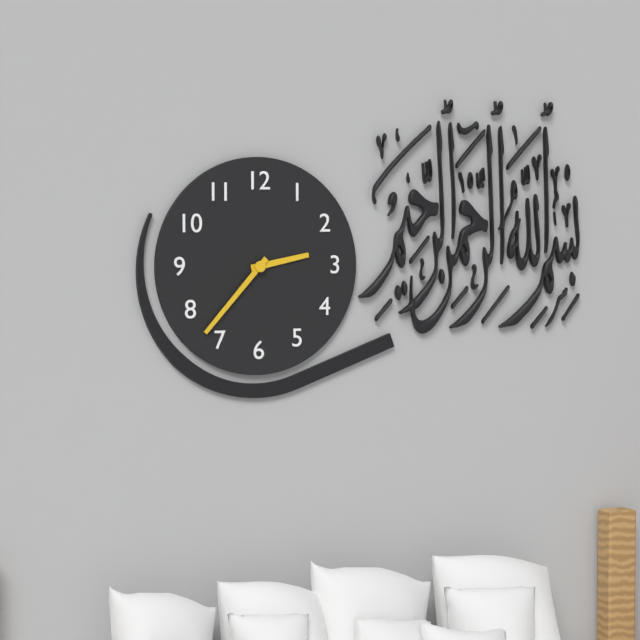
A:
h=2 m=37
